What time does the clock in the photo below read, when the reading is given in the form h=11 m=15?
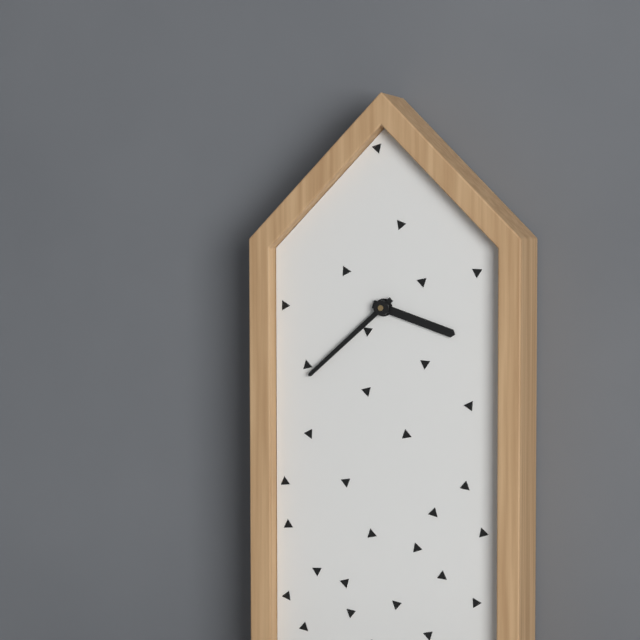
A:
h=3 m=38
